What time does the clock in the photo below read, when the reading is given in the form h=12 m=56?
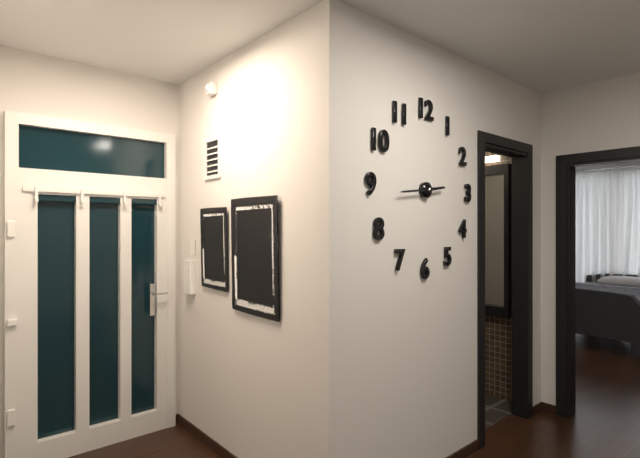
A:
h=2 m=44
